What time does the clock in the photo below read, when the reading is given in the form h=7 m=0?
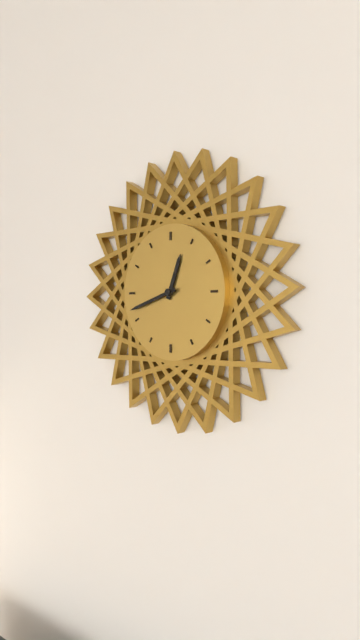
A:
h=12 m=42
